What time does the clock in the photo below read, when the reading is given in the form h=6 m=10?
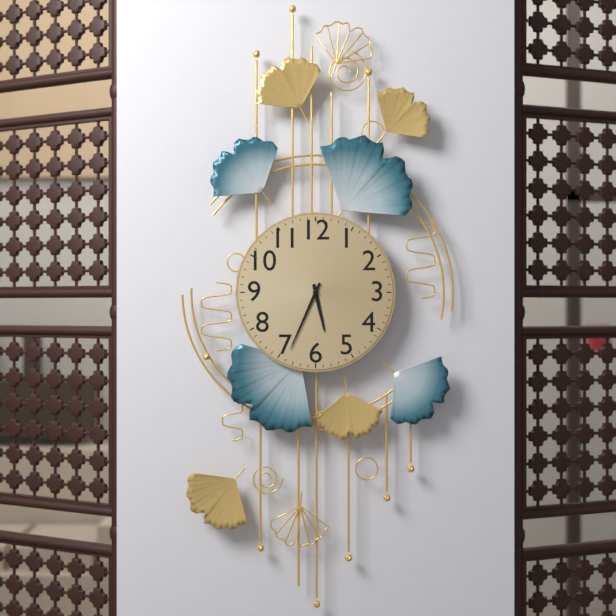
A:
h=5 m=34
